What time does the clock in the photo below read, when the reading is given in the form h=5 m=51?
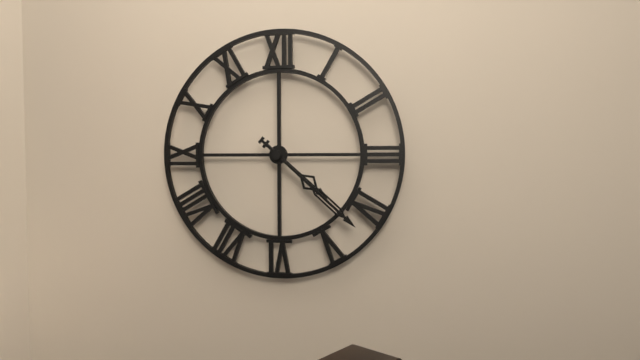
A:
h=4 m=22
